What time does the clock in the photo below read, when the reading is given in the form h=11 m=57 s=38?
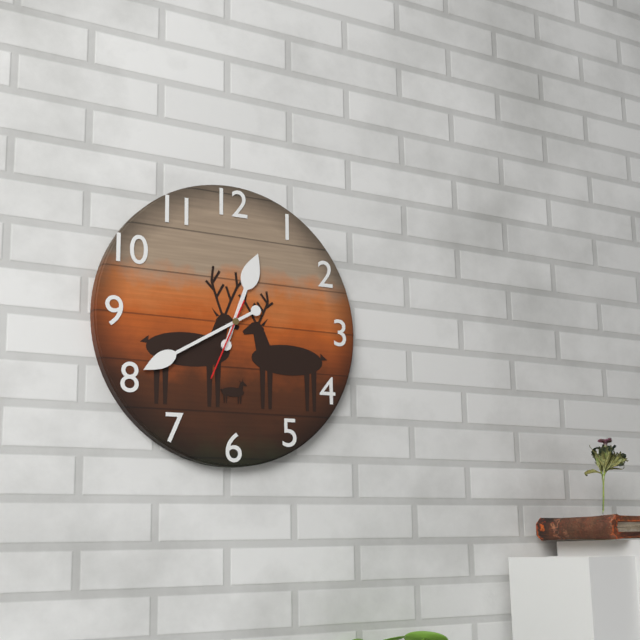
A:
h=12 m=40 s=34
